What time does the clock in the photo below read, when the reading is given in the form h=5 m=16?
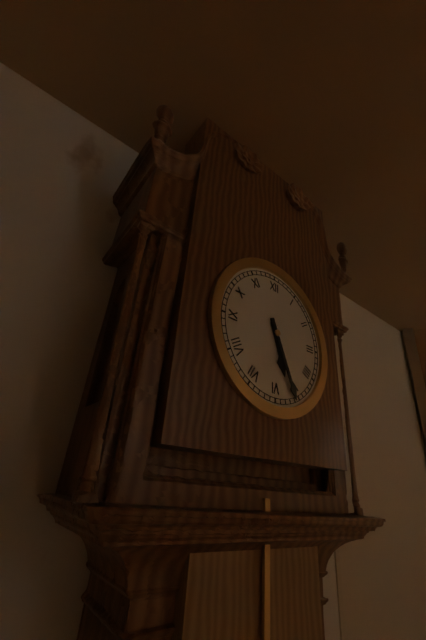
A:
h=5 m=26
